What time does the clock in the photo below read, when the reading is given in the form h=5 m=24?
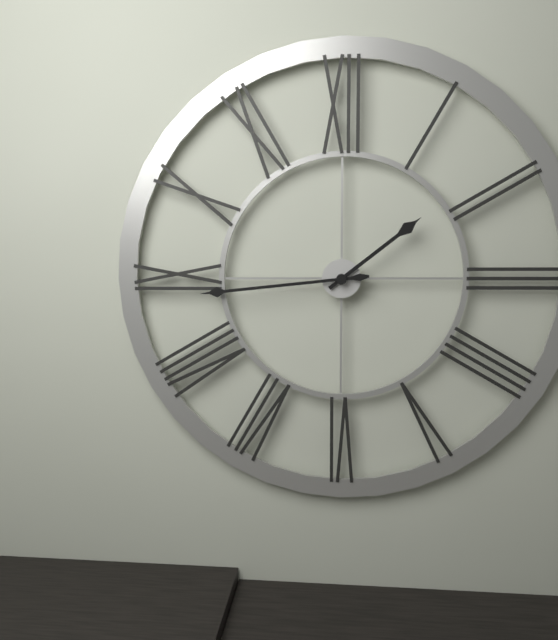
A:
h=1 m=44
